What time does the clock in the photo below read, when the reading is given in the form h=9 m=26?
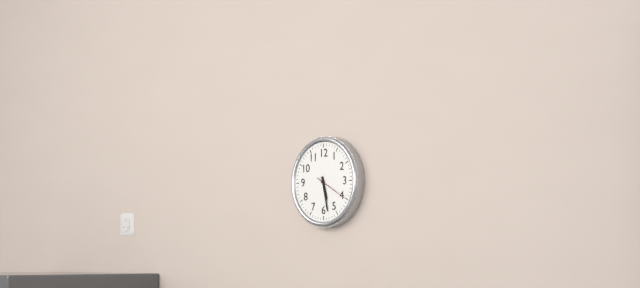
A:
h=5 m=28
